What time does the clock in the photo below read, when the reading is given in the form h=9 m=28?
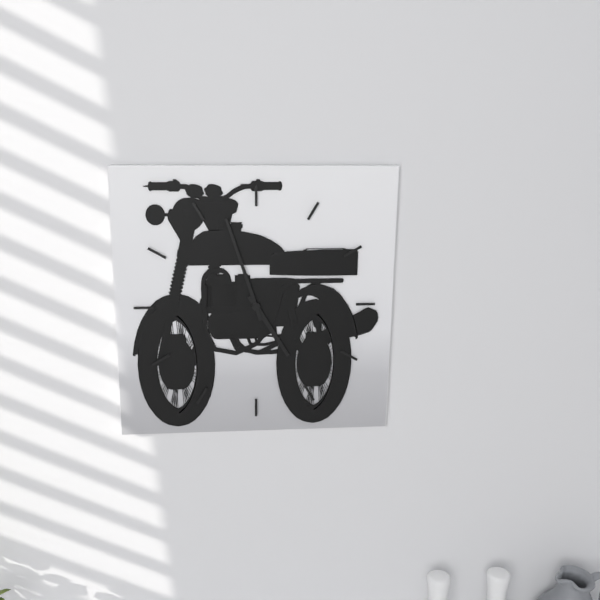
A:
h=4 m=57
